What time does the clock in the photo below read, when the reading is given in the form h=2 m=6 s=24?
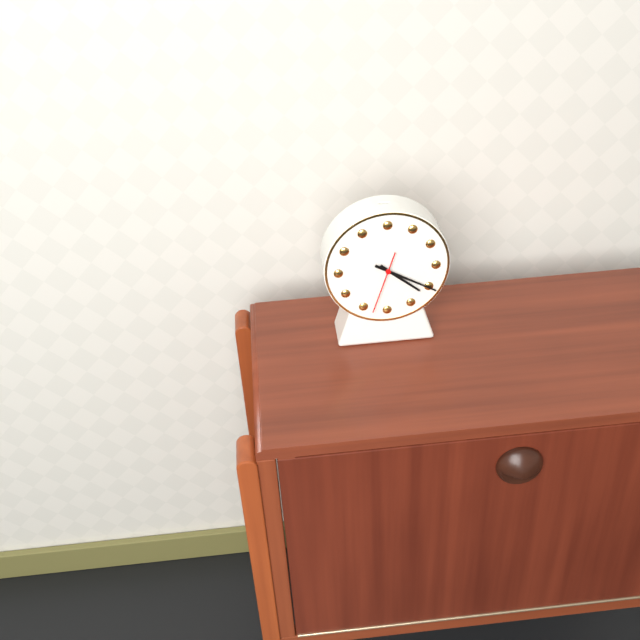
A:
h=4 m=20 s=33
